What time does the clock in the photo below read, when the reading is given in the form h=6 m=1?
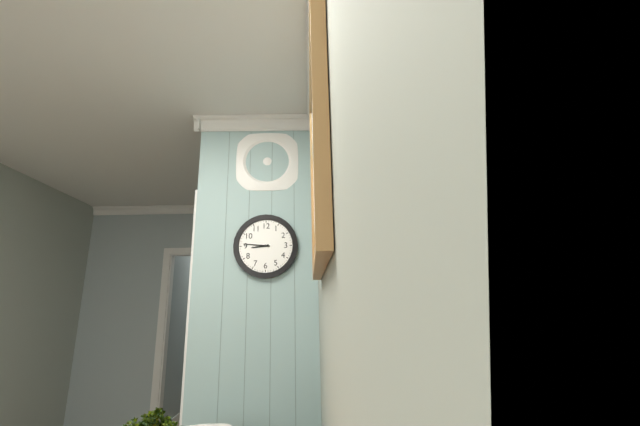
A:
h=8 m=46
